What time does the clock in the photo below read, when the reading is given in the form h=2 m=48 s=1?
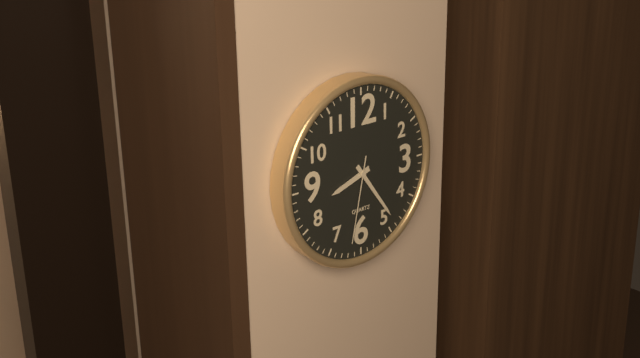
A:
h=8 m=24 s=32
